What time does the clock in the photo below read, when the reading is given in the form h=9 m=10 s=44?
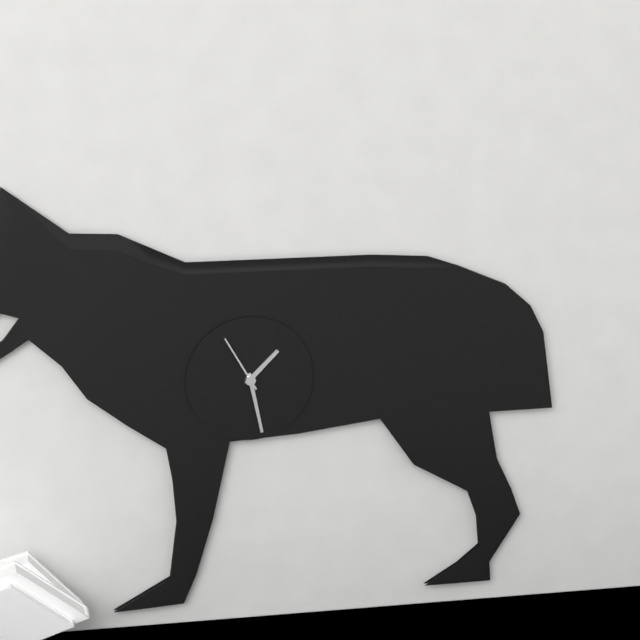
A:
h=1 m=28 s=55
